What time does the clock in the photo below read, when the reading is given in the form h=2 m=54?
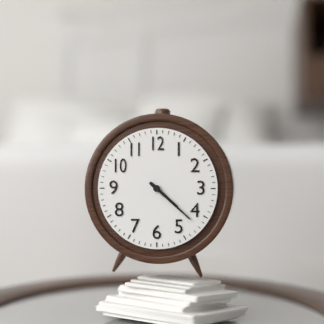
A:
h=4 m=22
